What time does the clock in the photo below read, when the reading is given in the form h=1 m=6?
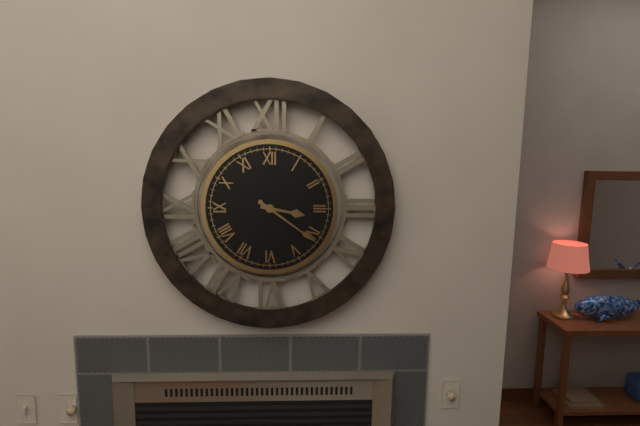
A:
h=3 m=21
